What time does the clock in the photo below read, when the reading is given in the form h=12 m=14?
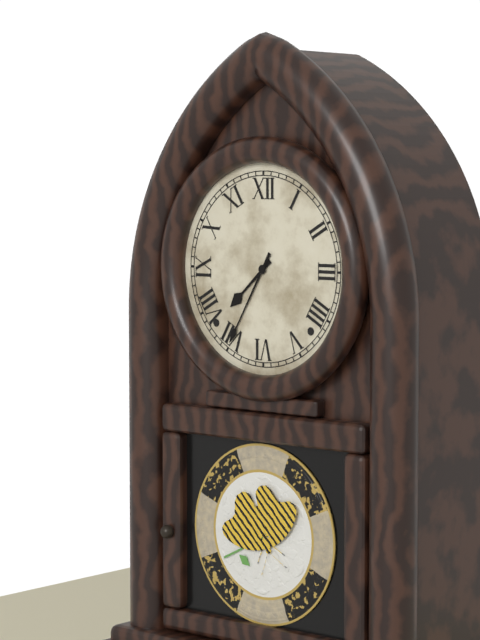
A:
h=7 m=35
